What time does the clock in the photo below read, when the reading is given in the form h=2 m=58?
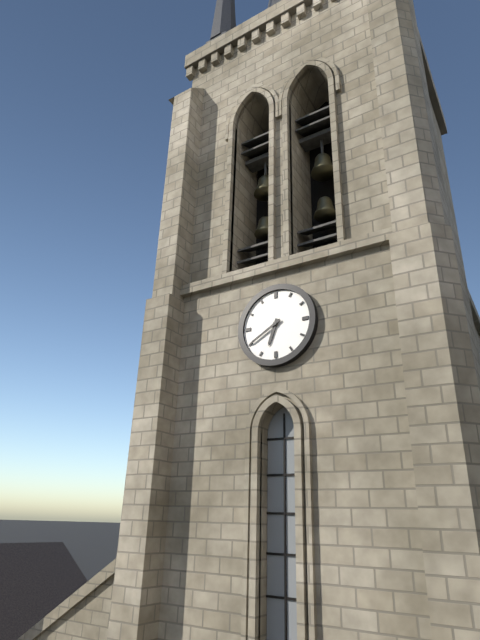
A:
h=6 m=40
